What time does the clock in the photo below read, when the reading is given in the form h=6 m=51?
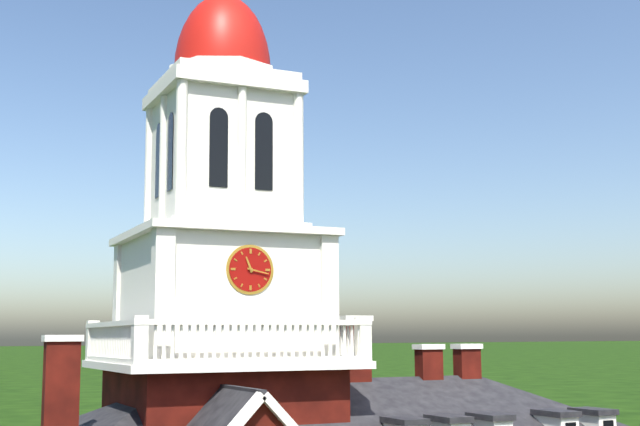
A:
h=11 m=17
